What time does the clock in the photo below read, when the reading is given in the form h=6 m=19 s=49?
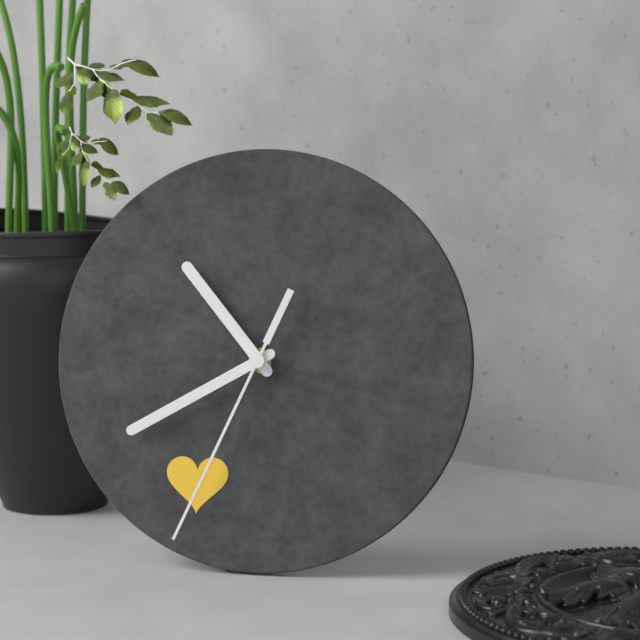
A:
h=10 m=40 s=34
